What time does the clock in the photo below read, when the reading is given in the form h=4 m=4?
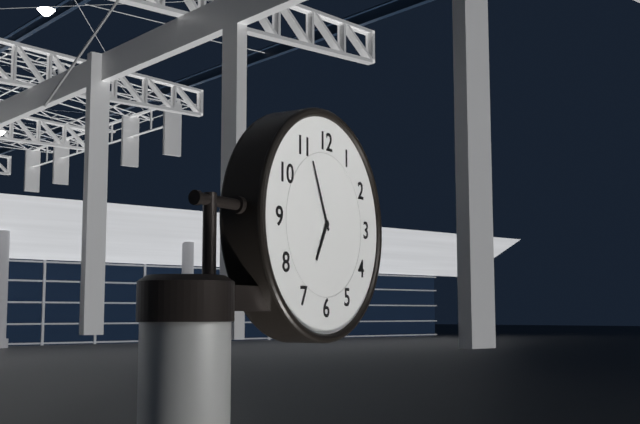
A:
h=6 m=56
